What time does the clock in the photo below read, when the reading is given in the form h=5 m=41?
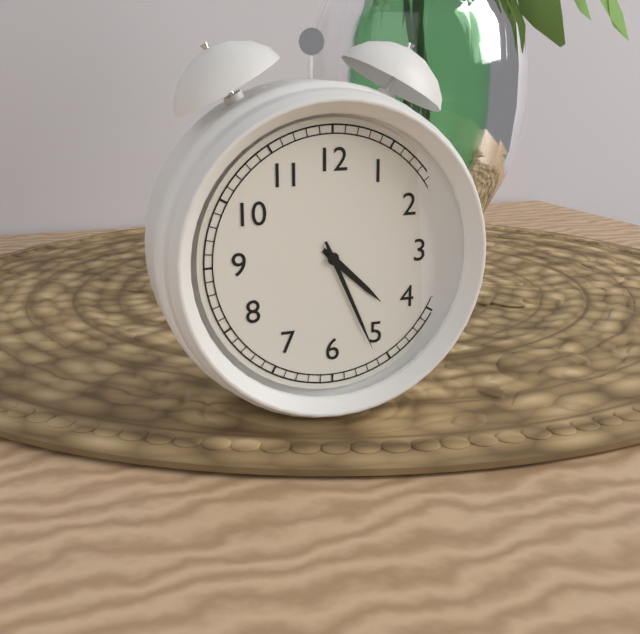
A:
h=4 m=26
